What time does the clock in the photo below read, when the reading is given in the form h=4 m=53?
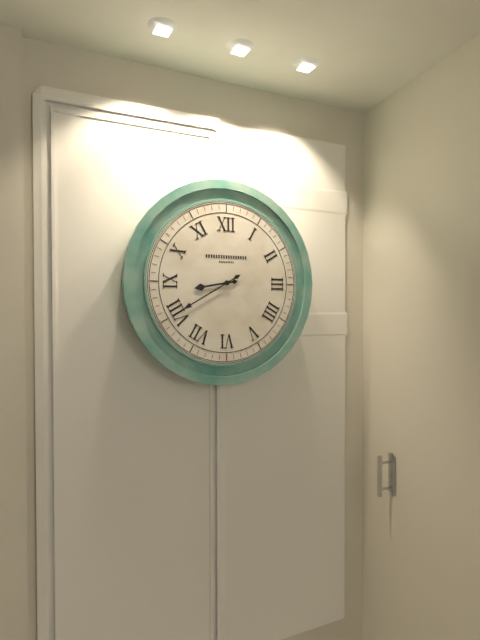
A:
h=8 m=40
